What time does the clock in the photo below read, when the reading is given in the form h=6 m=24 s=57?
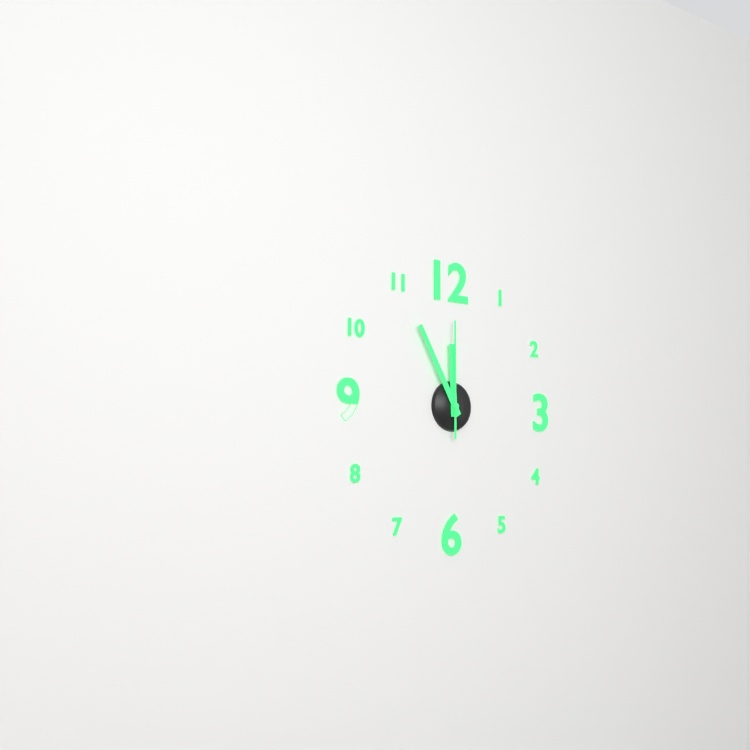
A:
h=11 m=55 s=0
